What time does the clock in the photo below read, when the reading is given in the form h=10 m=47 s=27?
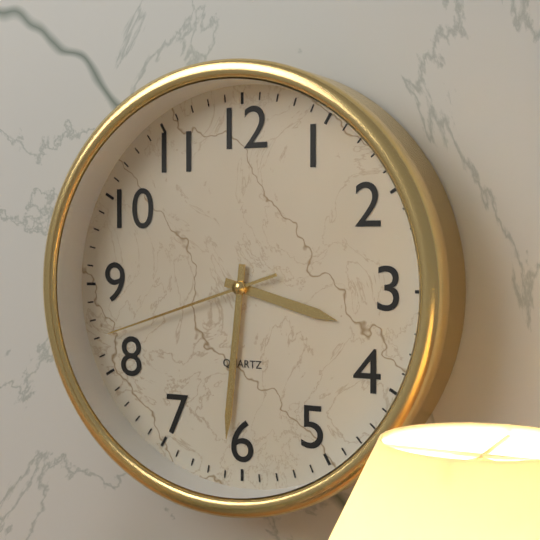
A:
h=3 m=31 s=42
